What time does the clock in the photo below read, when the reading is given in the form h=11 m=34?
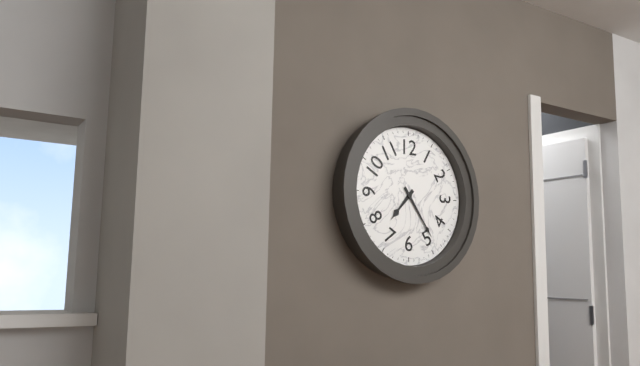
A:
h=7 m=24
